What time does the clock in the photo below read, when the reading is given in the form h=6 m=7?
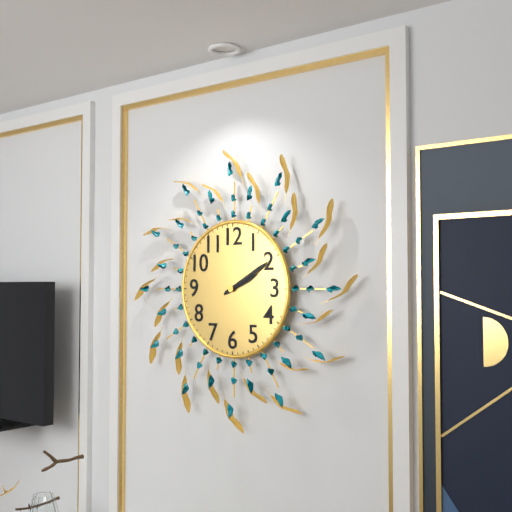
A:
h=2 m=10
